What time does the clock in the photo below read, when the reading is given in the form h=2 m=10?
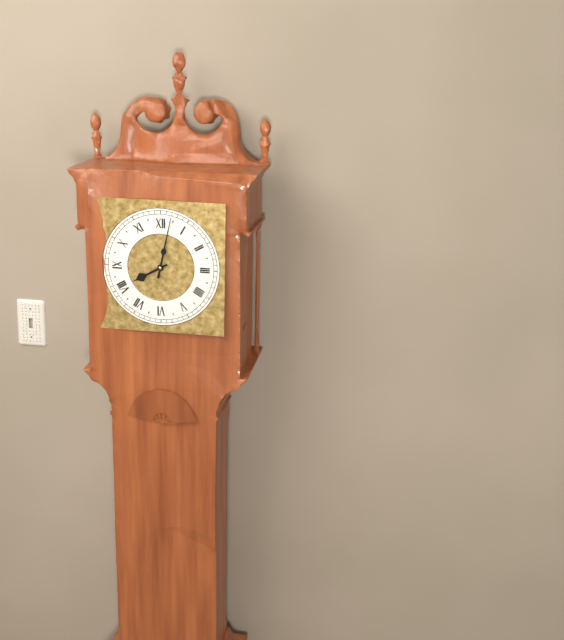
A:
h=8 m=2
